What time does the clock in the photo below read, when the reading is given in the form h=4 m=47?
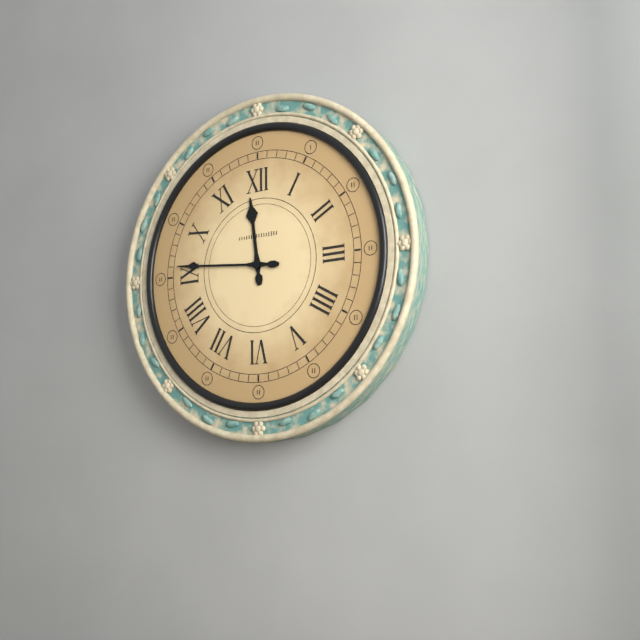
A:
h=11 m=46
